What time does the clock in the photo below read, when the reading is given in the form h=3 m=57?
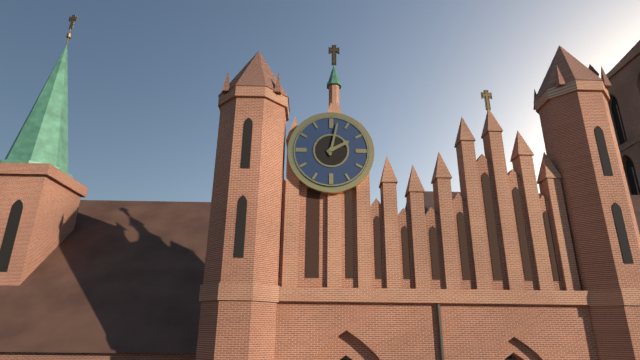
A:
h=2 m=2
